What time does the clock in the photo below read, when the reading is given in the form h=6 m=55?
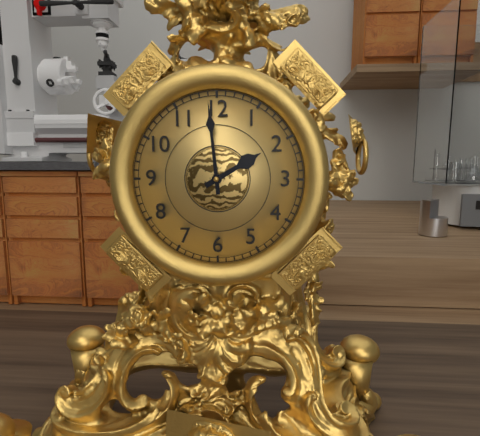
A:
h=1 m=59
